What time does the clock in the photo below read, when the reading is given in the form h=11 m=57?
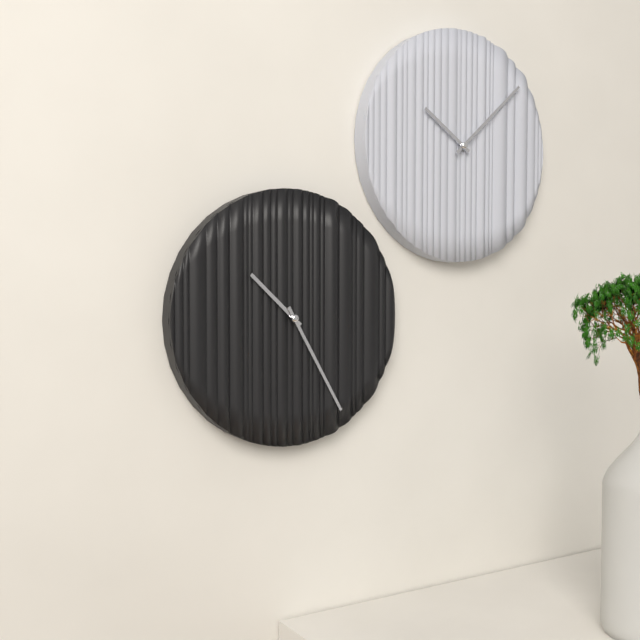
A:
h=10 m=25
